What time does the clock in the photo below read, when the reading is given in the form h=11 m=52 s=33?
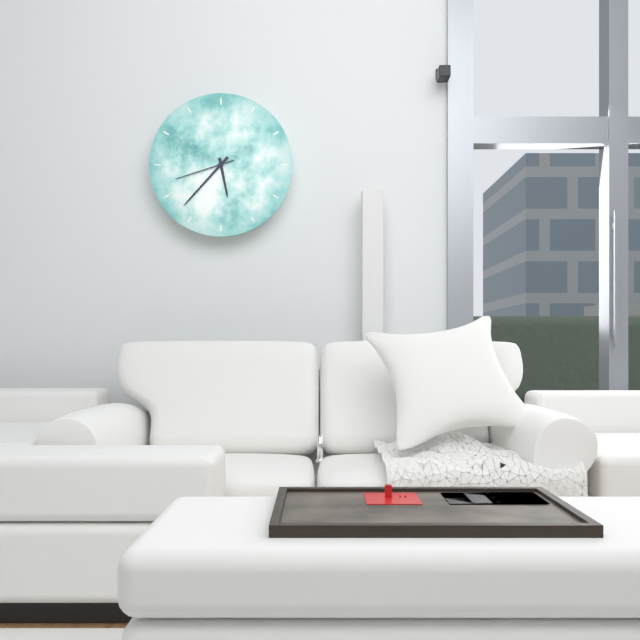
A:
h=5 m=37 s=42
